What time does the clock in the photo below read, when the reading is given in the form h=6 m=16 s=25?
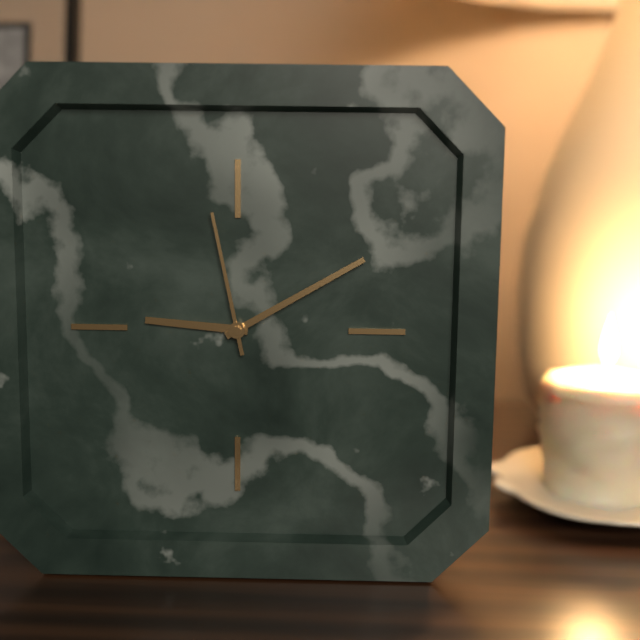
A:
h=9 m=10 s=58
